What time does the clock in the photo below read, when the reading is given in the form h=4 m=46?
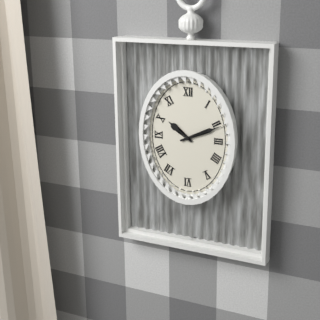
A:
h=10 m=11
